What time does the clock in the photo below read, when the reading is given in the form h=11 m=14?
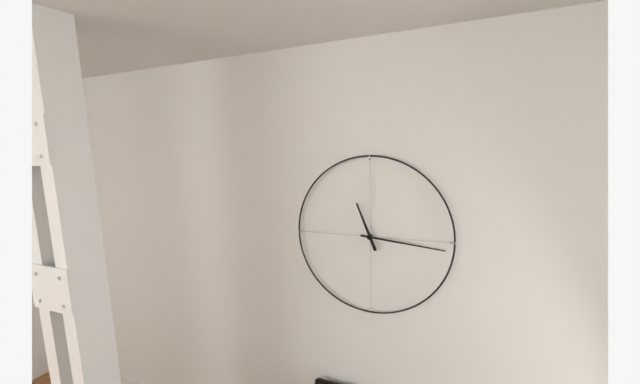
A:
h=11 m=16
